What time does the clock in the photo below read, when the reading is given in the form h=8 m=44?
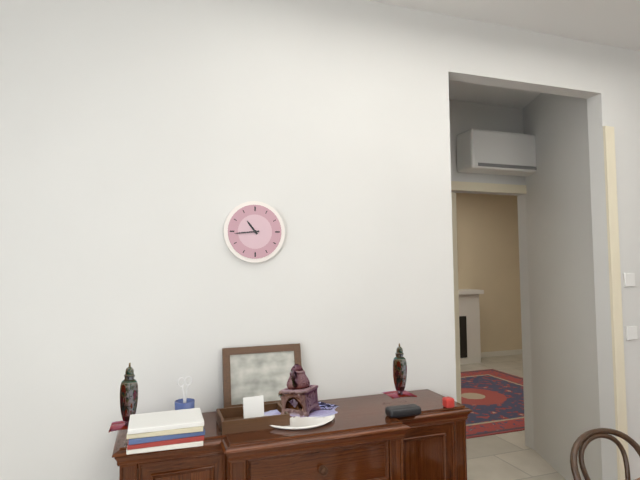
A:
h=10 m=44
